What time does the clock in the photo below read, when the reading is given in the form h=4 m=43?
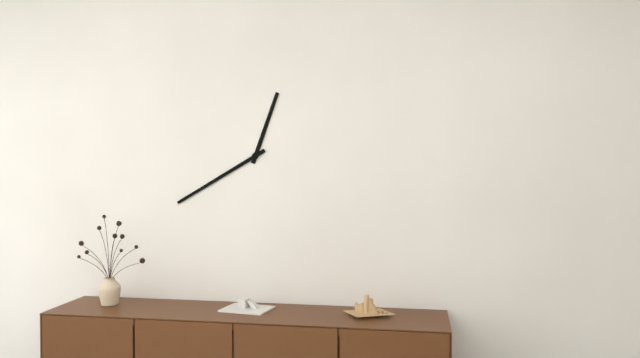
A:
h=12 m=40
